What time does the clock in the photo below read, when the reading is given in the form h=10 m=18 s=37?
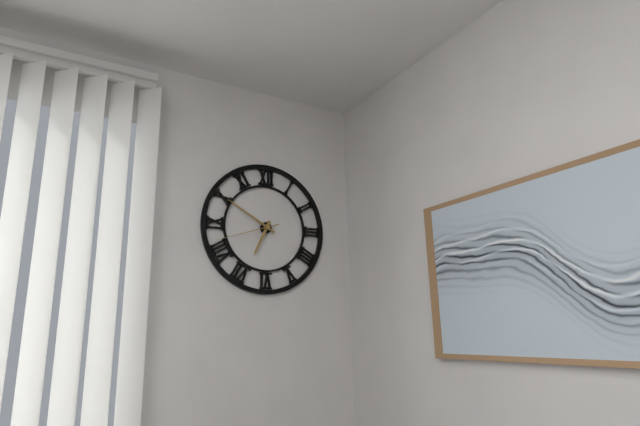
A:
h=6 m=50 s=42
